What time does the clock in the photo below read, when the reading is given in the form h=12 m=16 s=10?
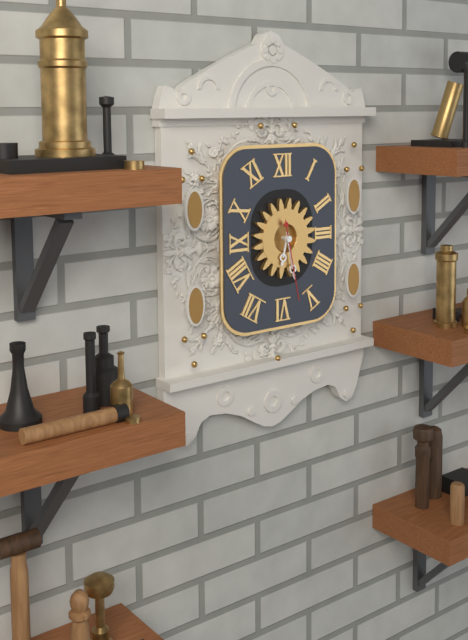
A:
h=6 m=28 s=28
